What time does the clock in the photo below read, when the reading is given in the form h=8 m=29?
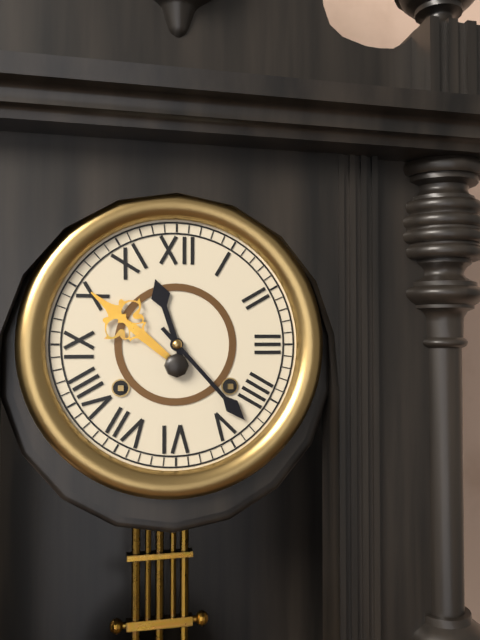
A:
h=11 m=23
